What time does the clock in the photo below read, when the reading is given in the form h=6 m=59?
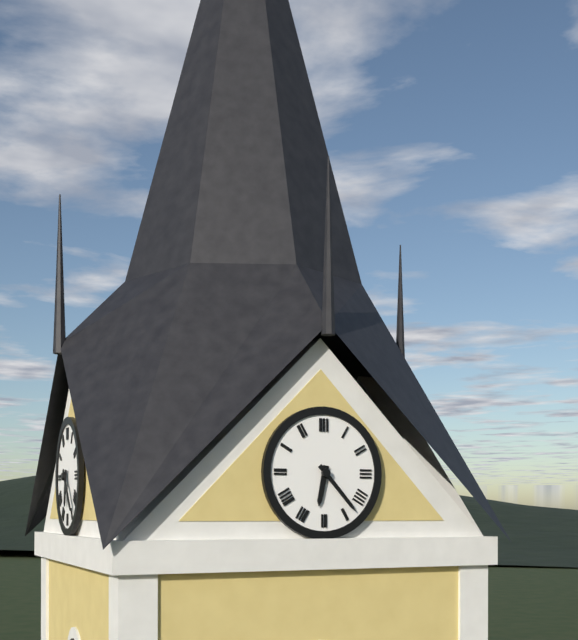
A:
h=6 m=23
